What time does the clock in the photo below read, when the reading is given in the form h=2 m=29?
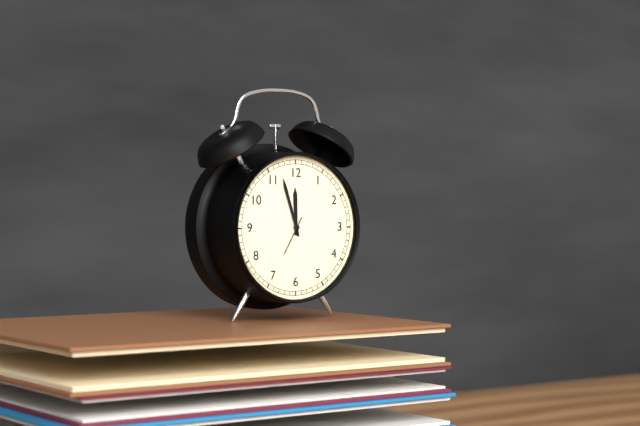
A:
h=11 m=57
